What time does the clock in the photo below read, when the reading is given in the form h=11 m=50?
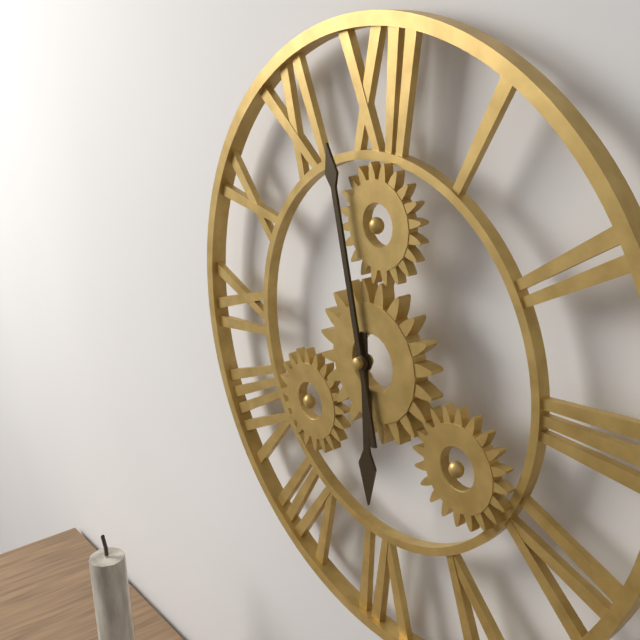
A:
h=5 m=58
